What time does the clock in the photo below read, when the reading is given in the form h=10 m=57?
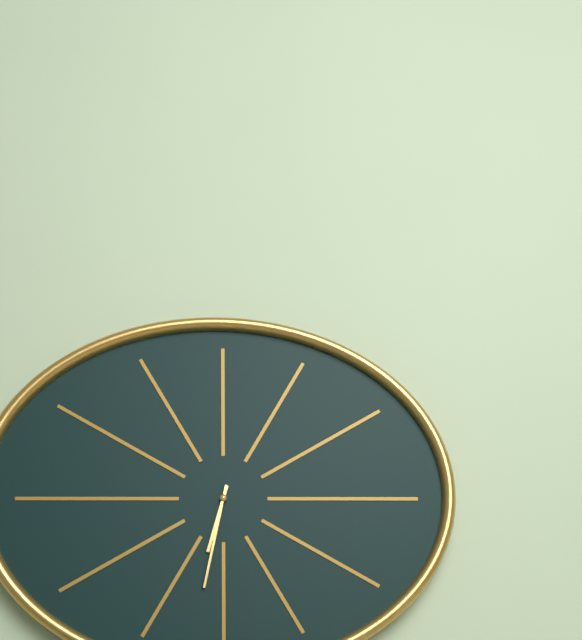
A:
h=6 m=32
